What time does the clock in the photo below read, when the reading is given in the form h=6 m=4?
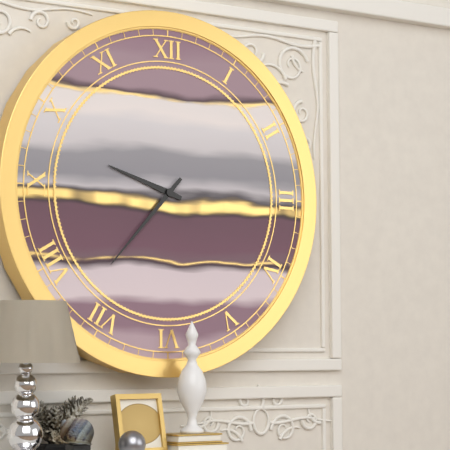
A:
h=9 m=37
